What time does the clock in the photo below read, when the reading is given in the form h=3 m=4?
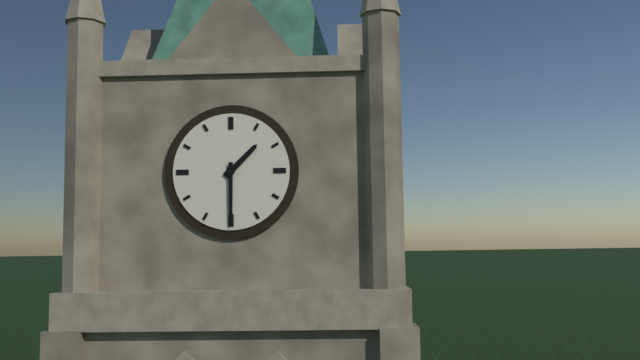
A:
h=1 m=30
